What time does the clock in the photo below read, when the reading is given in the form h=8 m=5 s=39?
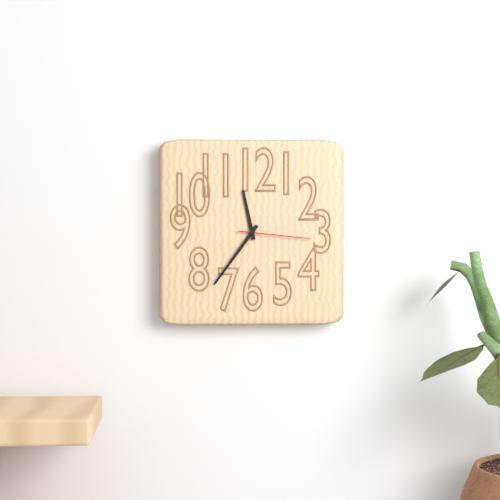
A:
h=11 m=36 s=16
